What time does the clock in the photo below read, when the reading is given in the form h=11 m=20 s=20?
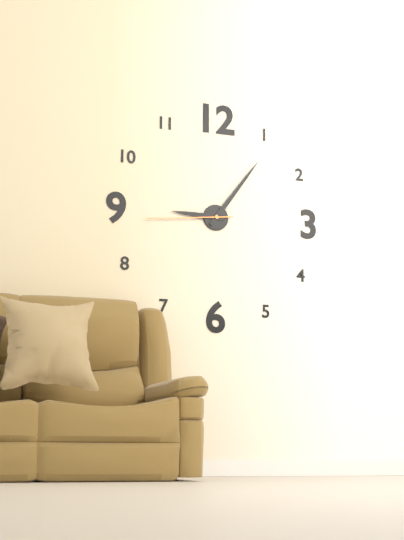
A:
h=9 m=6 s=44
